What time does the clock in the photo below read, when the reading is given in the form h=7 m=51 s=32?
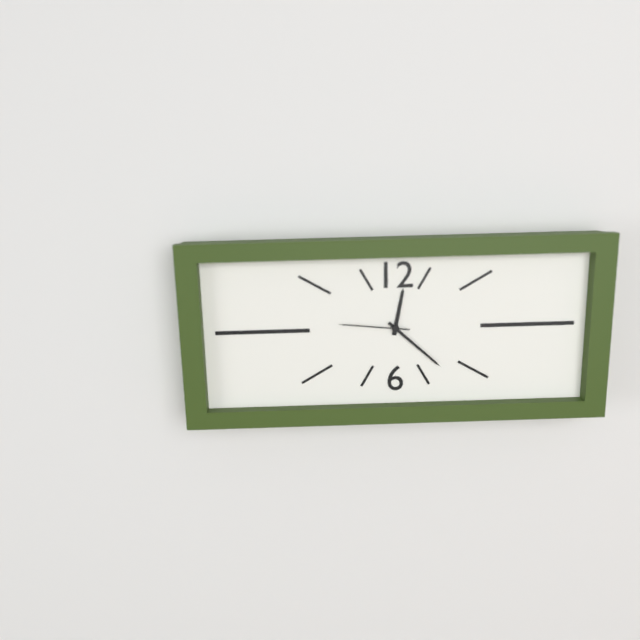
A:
h=12 m=22 s=46
